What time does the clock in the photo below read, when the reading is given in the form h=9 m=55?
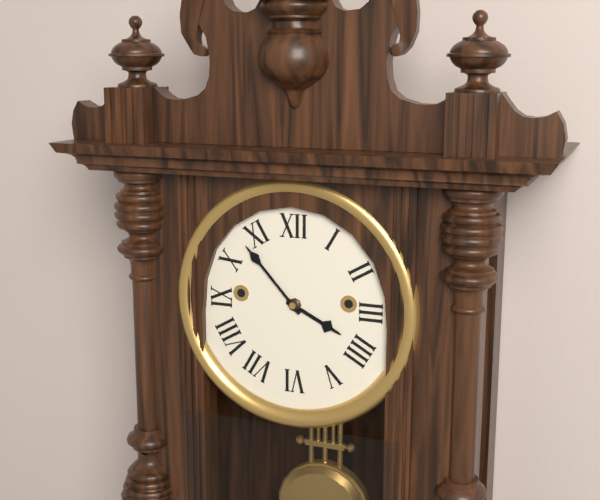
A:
h=3 m=53
